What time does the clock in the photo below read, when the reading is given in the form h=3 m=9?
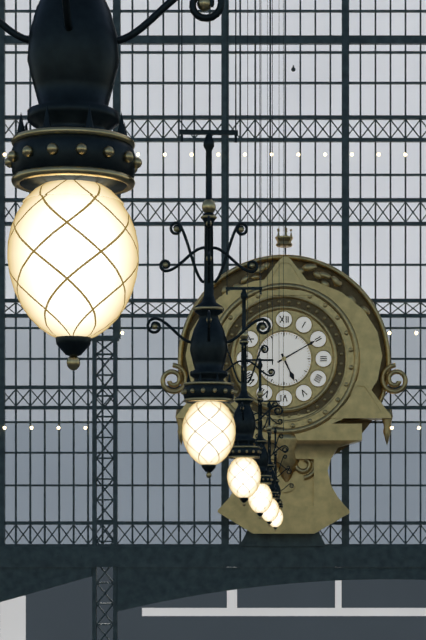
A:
h=5 m=10
